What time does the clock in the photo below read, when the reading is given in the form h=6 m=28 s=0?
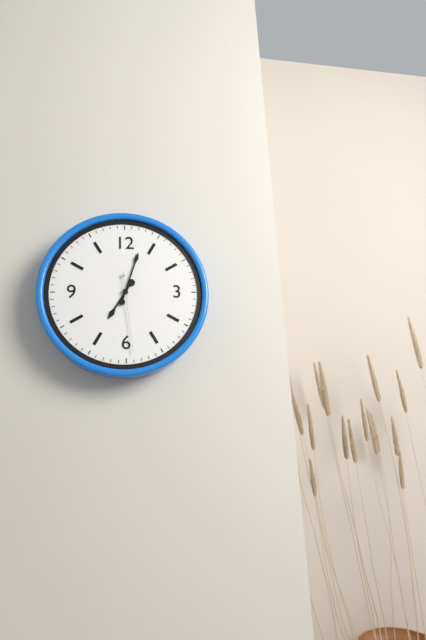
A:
h=7 m=3 s=29
